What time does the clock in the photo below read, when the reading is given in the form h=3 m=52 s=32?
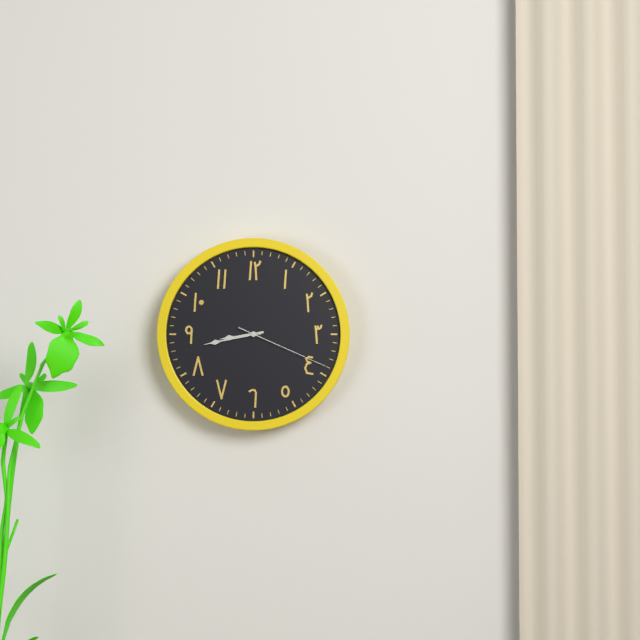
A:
h=8 m=43 s=19
